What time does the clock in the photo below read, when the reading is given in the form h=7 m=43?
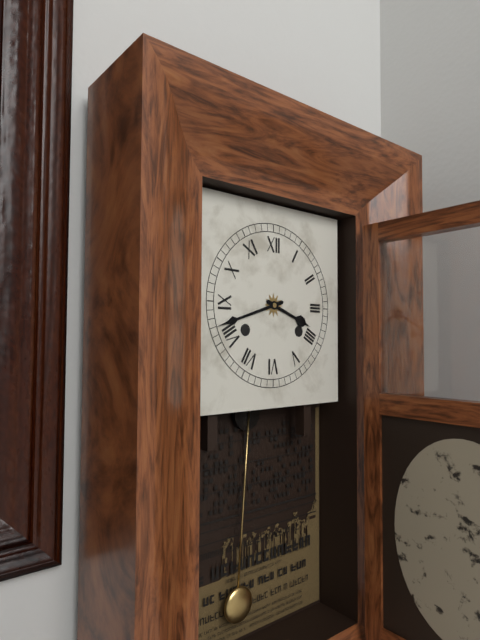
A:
h=3 m=42
